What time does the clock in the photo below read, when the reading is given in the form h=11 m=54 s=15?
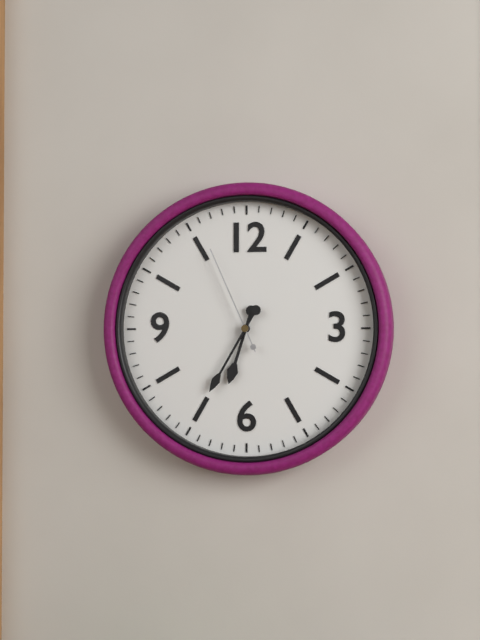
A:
h=6 m=35 s=56
